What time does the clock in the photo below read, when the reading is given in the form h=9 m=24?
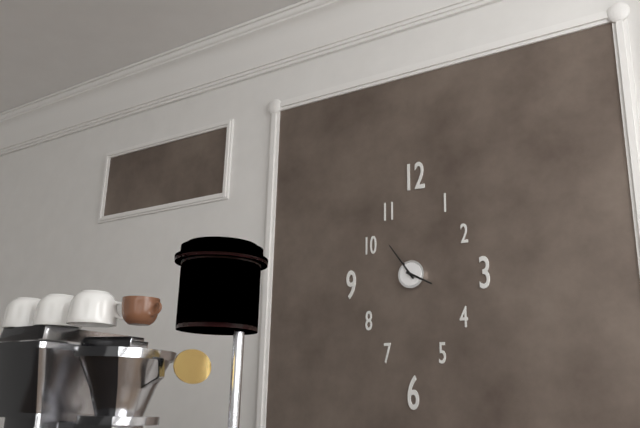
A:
h=3 m=54
